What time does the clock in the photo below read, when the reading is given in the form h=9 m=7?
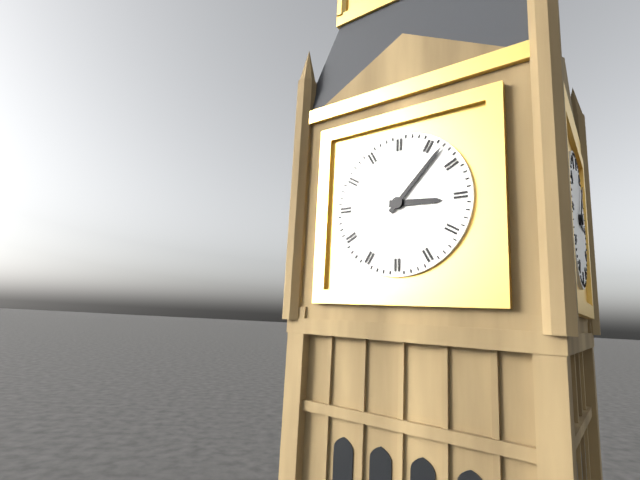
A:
h=3 m=7
